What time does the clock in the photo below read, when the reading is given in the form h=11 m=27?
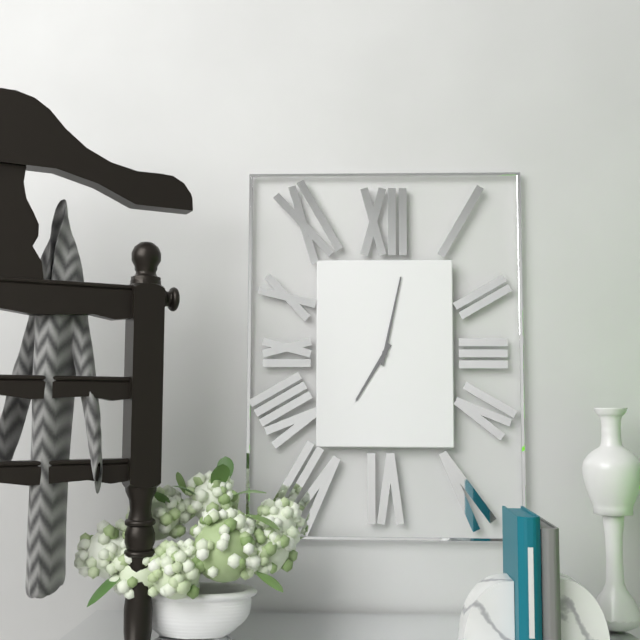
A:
h=7 m=2
